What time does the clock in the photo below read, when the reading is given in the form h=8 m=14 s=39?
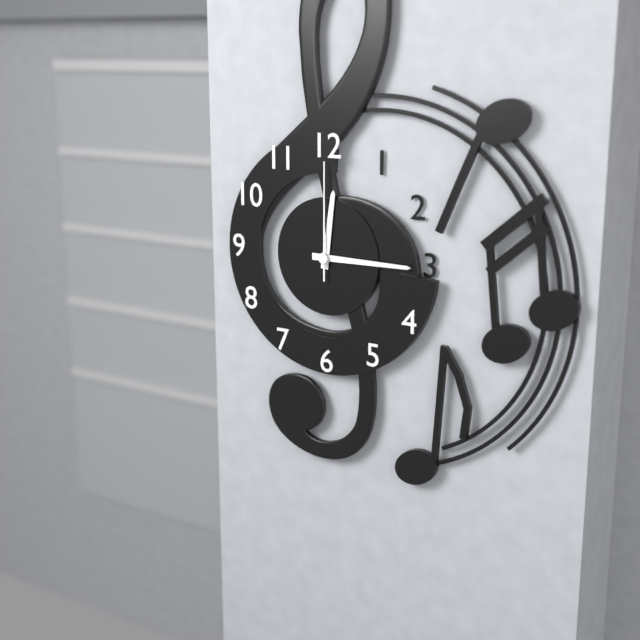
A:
h=12 m=15 s=0
